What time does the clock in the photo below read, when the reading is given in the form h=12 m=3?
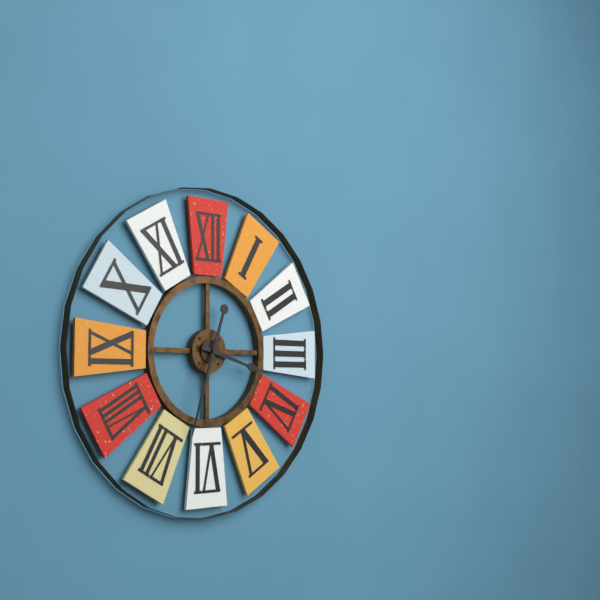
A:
h=3 m=33
